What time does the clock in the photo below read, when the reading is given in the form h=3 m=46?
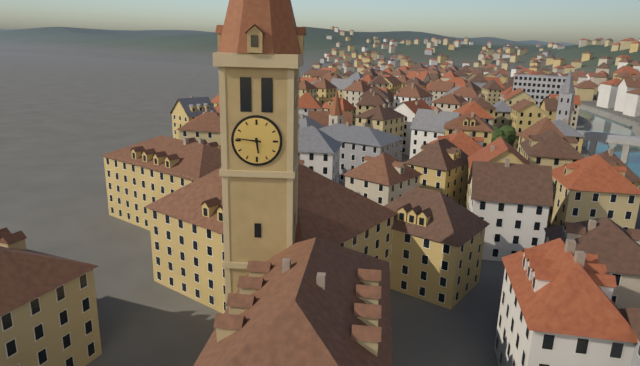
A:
h=5 m=46
